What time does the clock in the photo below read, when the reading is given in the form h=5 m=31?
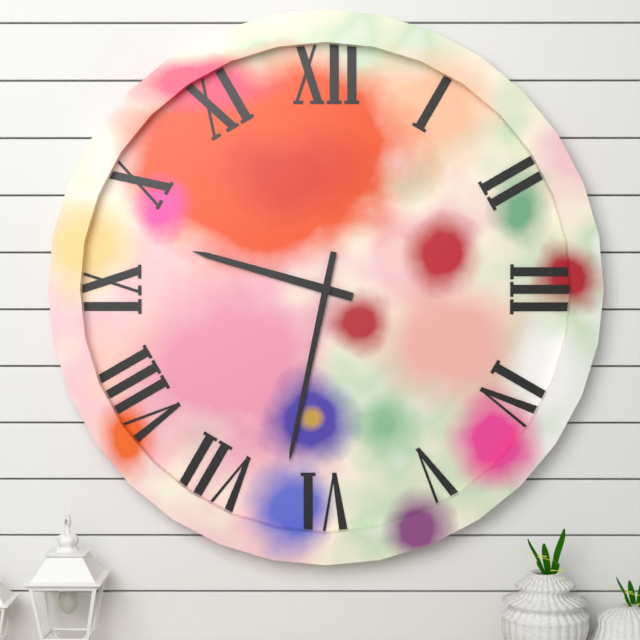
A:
h=9 m=32
